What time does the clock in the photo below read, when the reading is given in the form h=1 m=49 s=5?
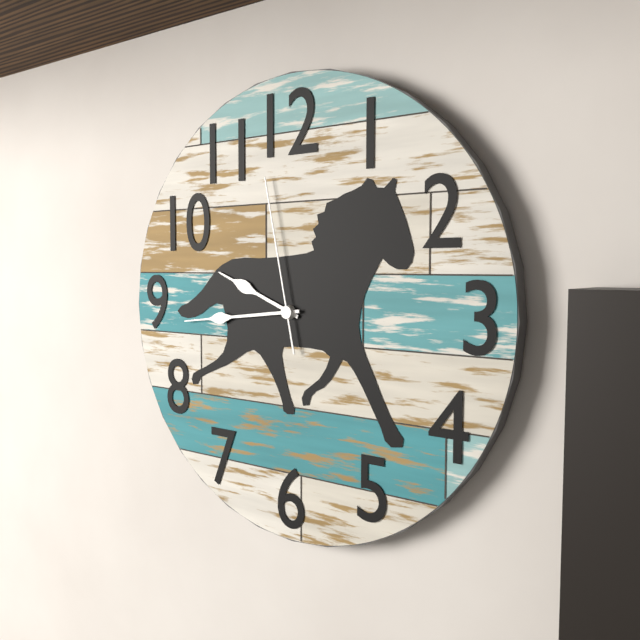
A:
h=9 m=44 s=58
